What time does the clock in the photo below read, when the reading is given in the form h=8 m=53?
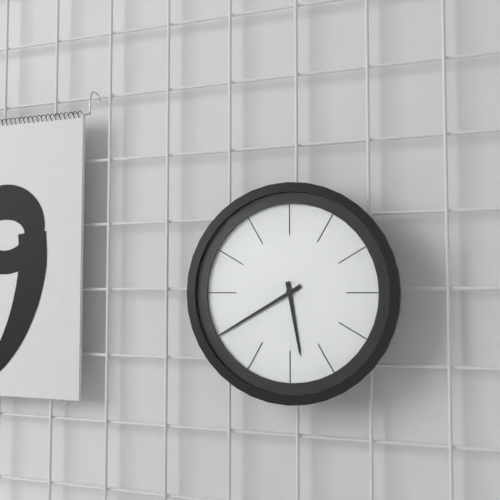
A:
h=5 m=40
